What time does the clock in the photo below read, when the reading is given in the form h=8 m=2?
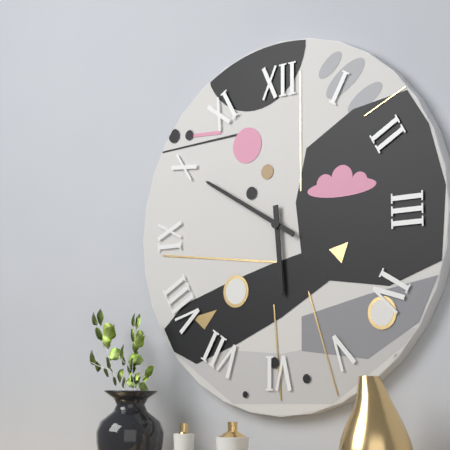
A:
h=5 m=50
